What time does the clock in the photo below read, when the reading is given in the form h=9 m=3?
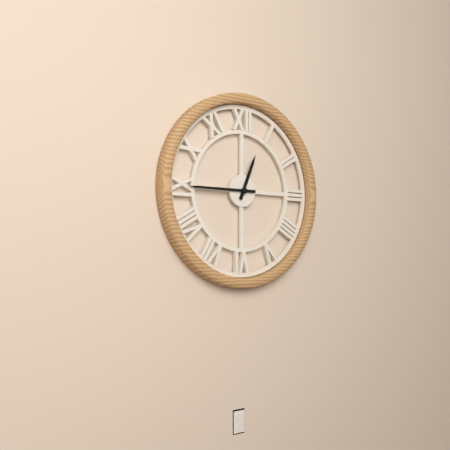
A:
h=12 m=45
